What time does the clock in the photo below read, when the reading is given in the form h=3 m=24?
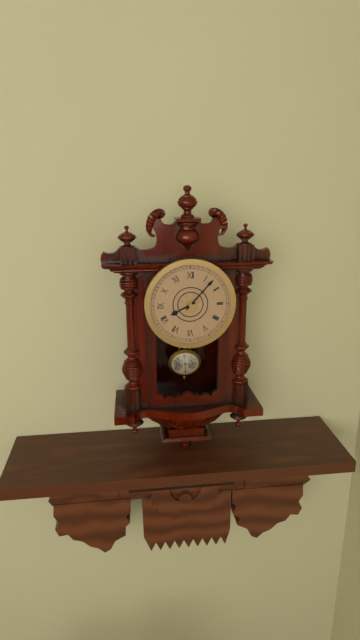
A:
h=8 m=7
